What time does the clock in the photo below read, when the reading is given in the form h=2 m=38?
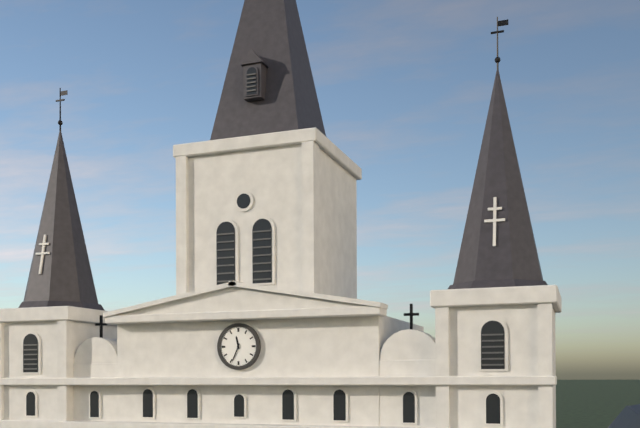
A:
h=11 m=34
